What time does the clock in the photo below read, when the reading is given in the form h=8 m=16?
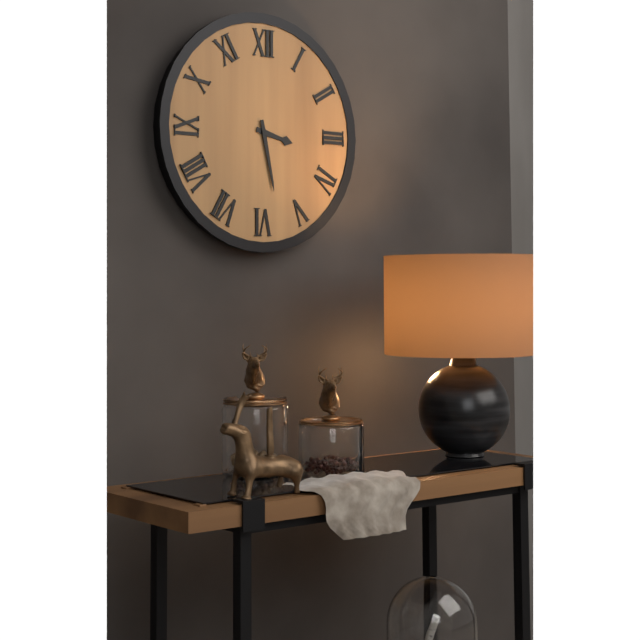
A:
h=3 m=28
